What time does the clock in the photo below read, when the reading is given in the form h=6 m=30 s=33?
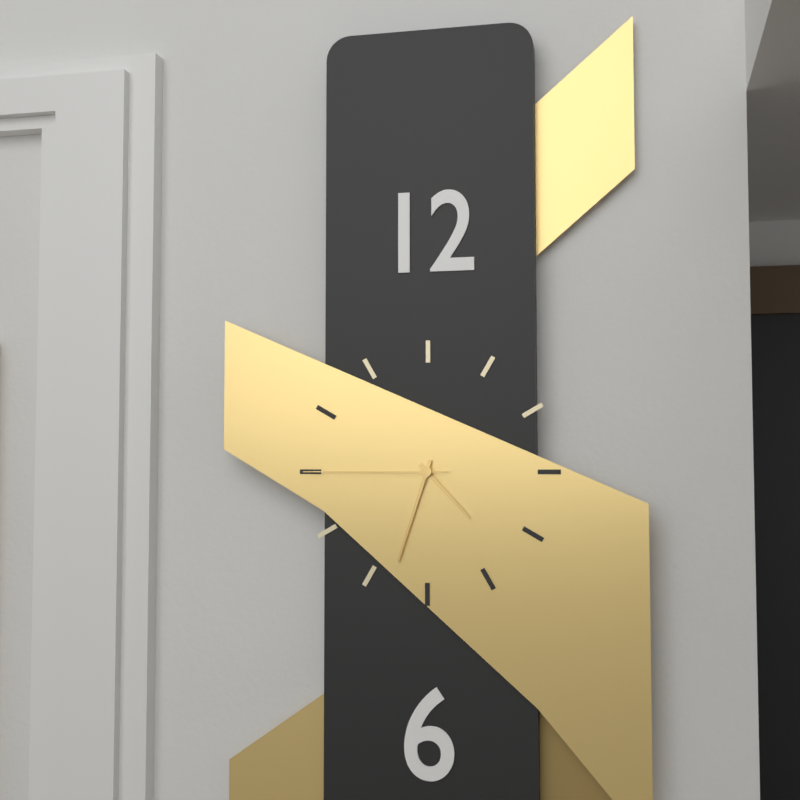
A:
h=4 m=33 s=45
